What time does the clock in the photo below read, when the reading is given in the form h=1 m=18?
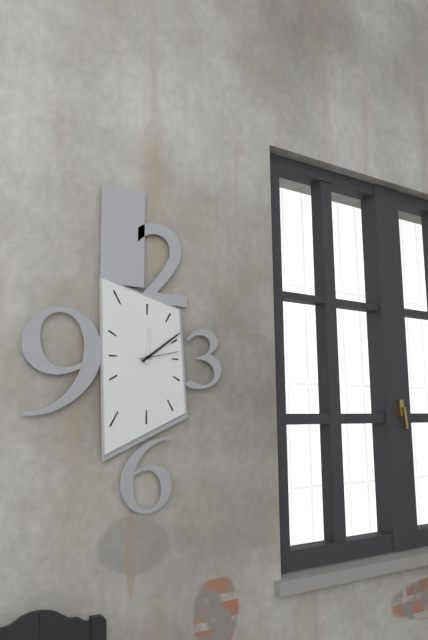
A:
h=12 m=9
